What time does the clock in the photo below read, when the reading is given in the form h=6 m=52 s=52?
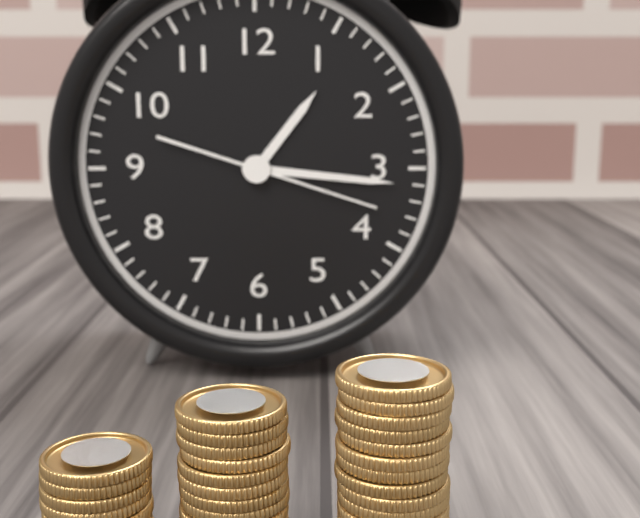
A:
h=1 m=16 s=18
